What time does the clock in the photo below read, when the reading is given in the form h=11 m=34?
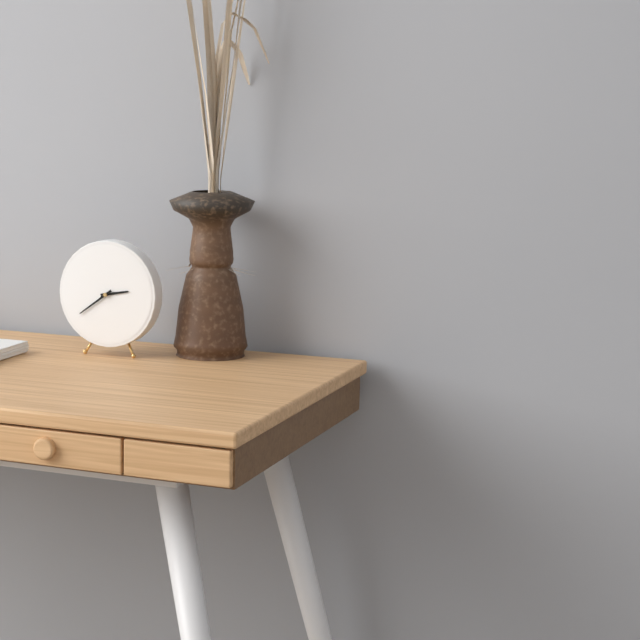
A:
h=2 m=39
